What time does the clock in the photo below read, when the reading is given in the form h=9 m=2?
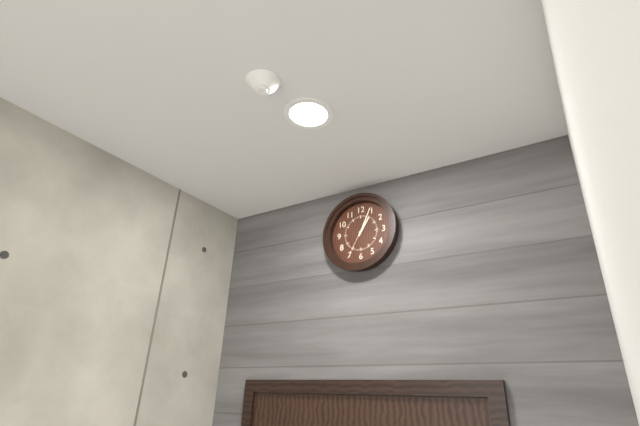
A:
h=1 m=4
